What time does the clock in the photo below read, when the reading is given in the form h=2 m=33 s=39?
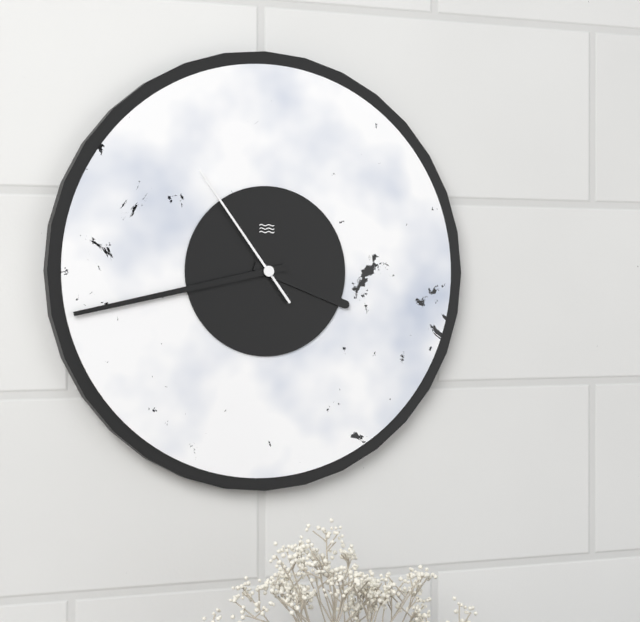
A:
h=3 m=43 s=54
